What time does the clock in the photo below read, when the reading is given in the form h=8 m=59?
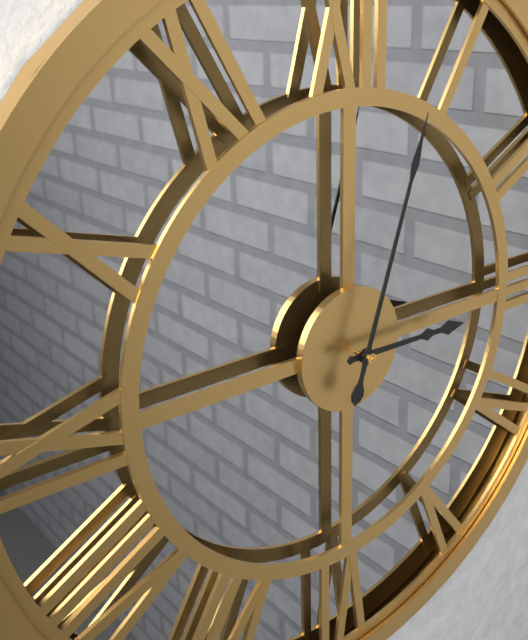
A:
h=3 m=3
